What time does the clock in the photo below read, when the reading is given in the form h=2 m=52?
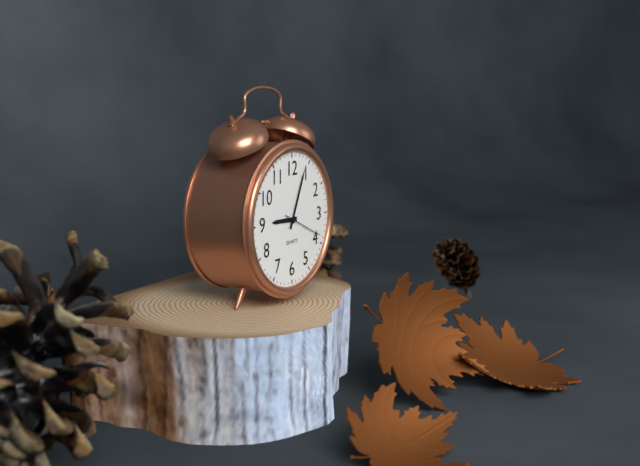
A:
h=9 m=4
